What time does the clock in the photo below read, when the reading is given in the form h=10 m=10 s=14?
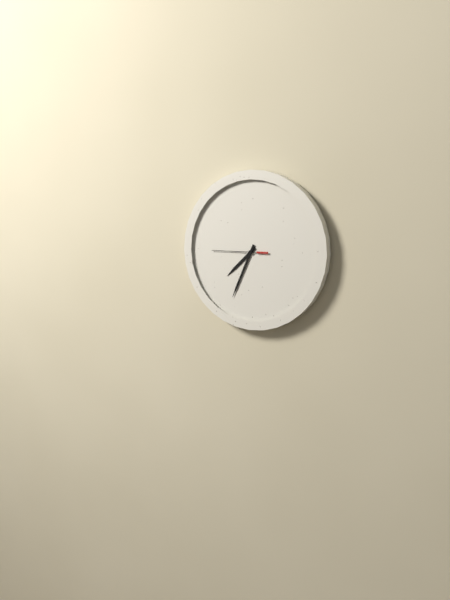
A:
h=7 m=34 s=45
